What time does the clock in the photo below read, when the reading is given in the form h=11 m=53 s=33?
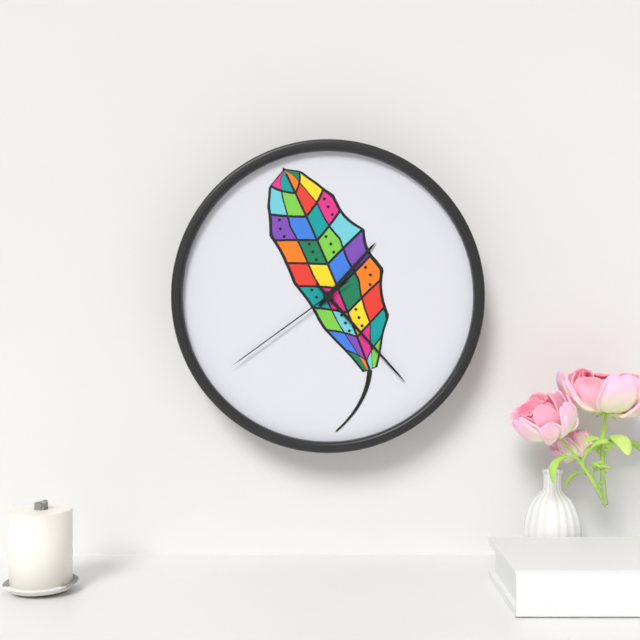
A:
h=1 m=23 s=39
